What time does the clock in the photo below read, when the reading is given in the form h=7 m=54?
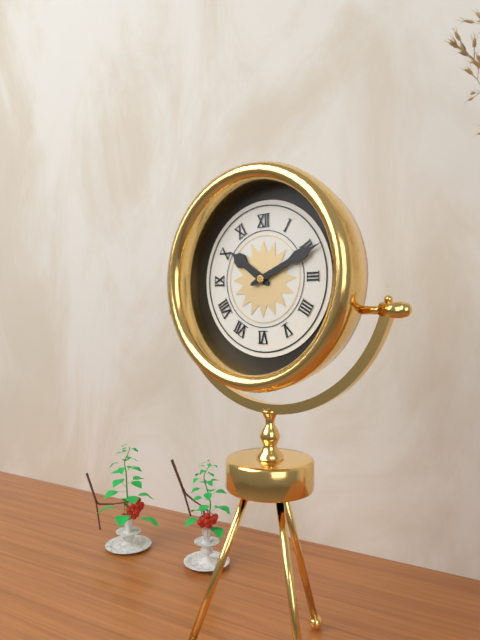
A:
h=10 m=11
